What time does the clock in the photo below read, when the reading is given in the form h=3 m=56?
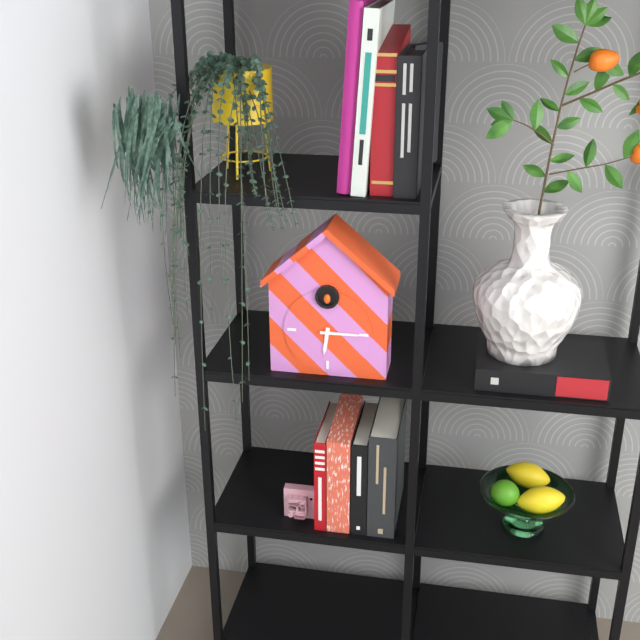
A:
h=6 m=15
